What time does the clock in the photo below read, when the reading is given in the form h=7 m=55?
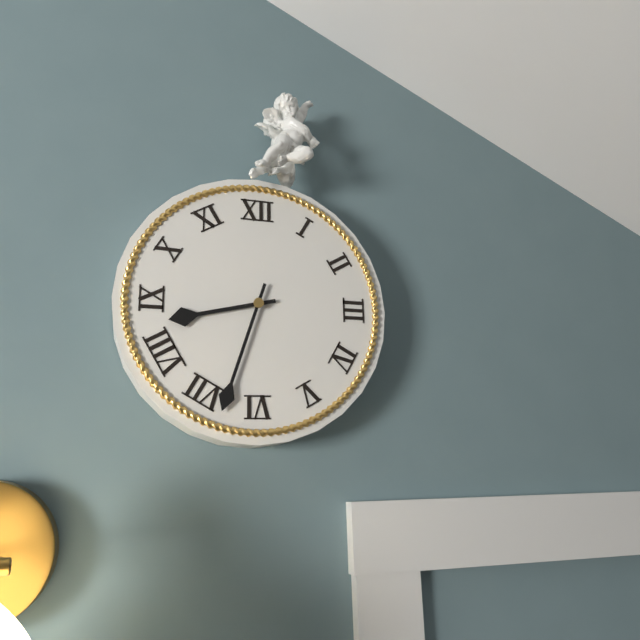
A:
h=8 m=33
